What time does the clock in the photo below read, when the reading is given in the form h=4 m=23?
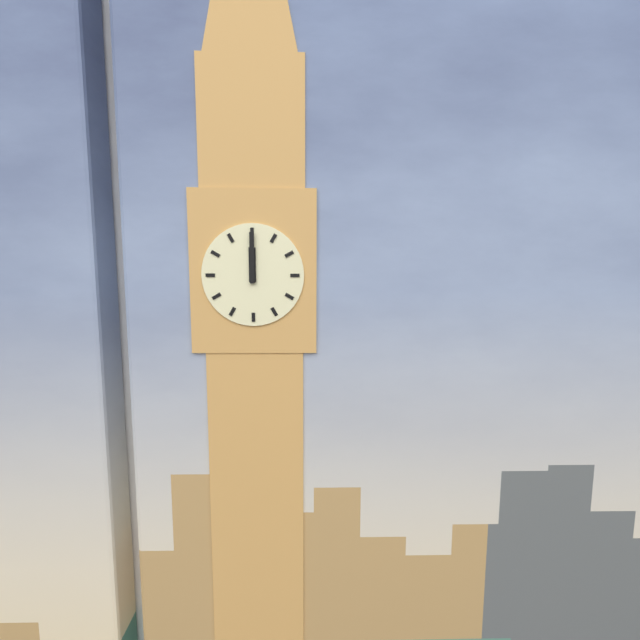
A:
h=12 m=0
